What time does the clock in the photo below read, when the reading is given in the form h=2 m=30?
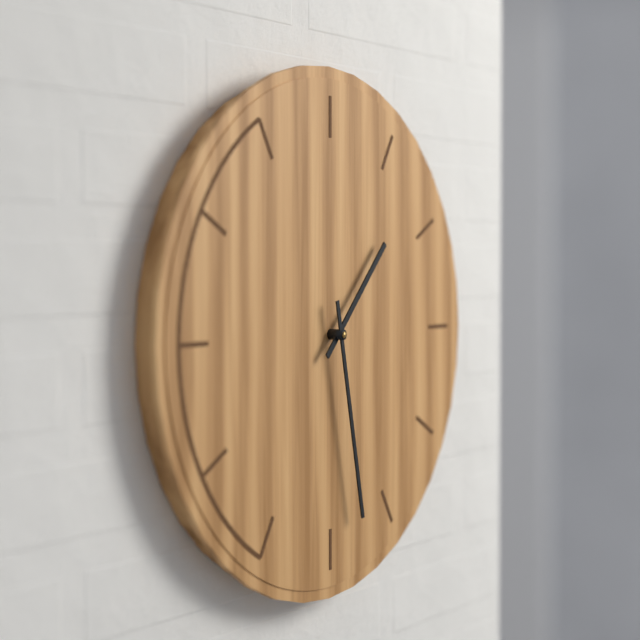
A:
h=1 m=28
